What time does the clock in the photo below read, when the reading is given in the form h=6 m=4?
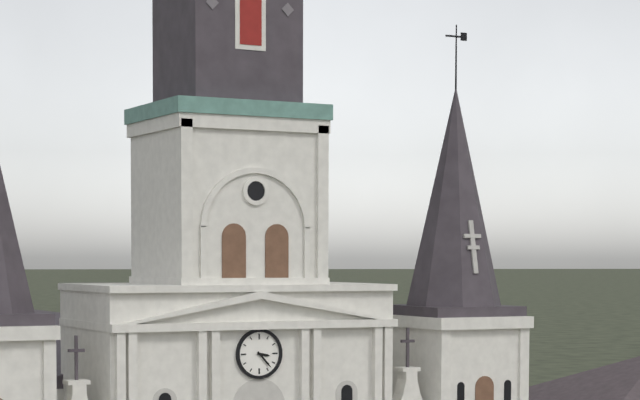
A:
h=3 m=23
